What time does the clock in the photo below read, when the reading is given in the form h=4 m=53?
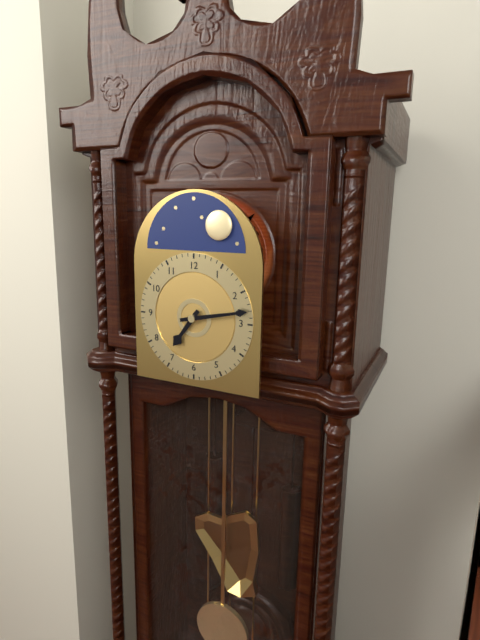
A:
h=7 m=13
